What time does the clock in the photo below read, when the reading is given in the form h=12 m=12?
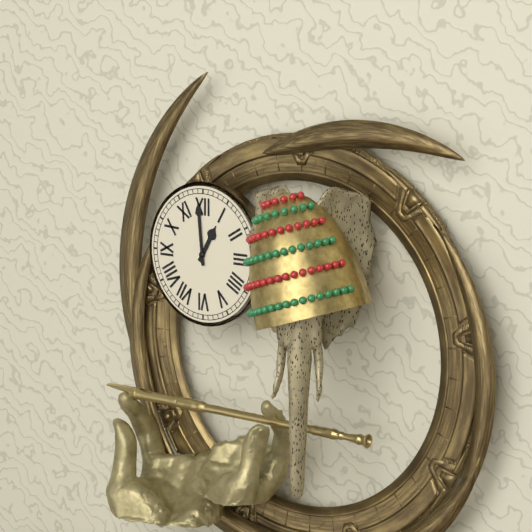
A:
h=12 m=59
